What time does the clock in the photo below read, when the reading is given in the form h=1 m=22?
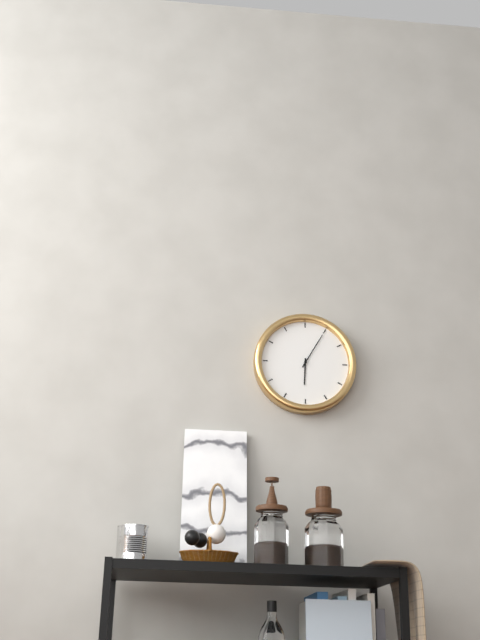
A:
h=6 m=5
